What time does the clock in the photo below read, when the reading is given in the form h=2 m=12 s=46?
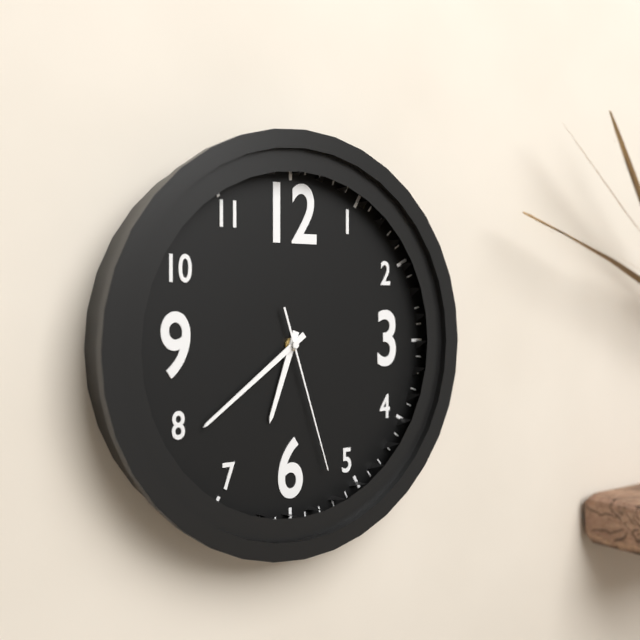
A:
h=6 m=39 s=27
